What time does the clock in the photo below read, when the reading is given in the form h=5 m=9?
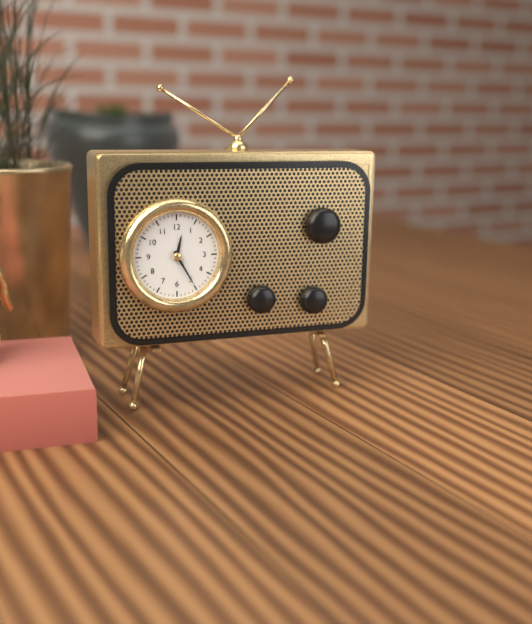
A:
h=12 m=25
